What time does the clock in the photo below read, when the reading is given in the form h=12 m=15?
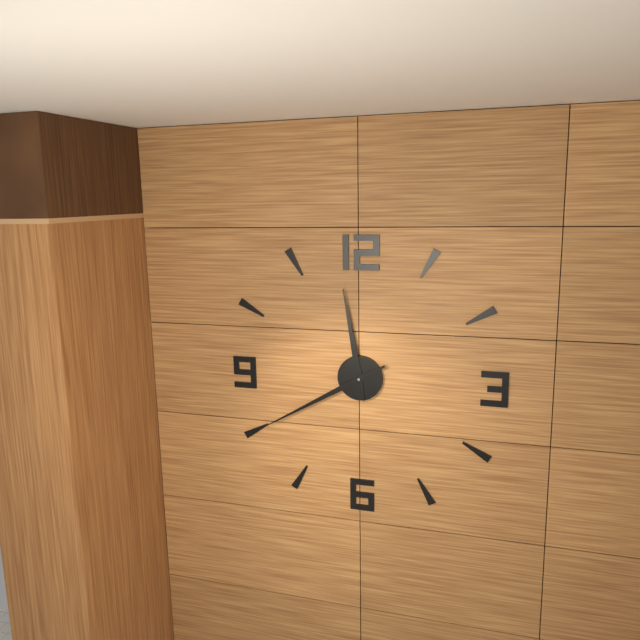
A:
h=11 m=40
